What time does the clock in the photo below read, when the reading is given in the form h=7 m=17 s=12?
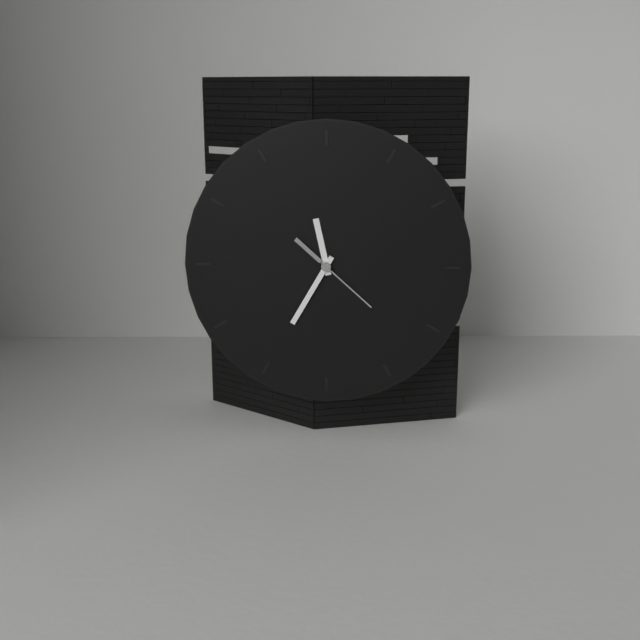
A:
h=11 m=35 s=22
